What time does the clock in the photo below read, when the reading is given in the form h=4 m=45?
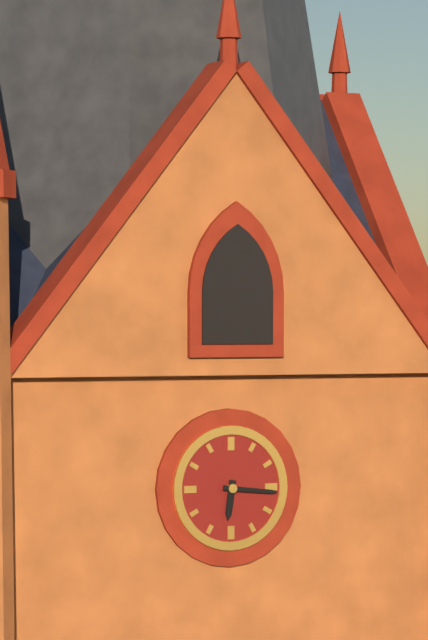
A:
h=6 m=16
